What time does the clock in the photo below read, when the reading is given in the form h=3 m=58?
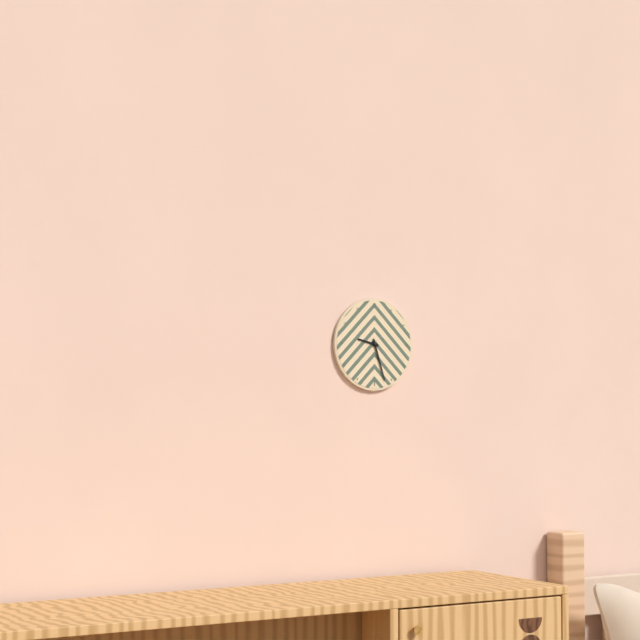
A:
h=9 m=27
